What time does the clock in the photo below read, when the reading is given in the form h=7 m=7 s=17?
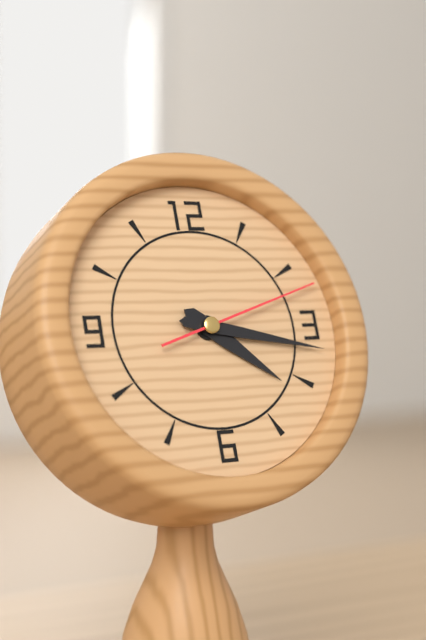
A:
h=4 m=17 s=12
